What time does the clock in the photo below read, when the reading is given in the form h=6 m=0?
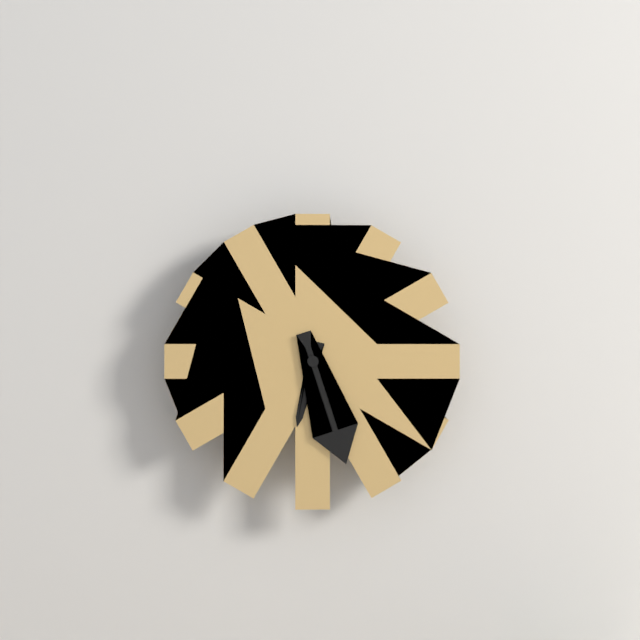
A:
h=6 m=27
